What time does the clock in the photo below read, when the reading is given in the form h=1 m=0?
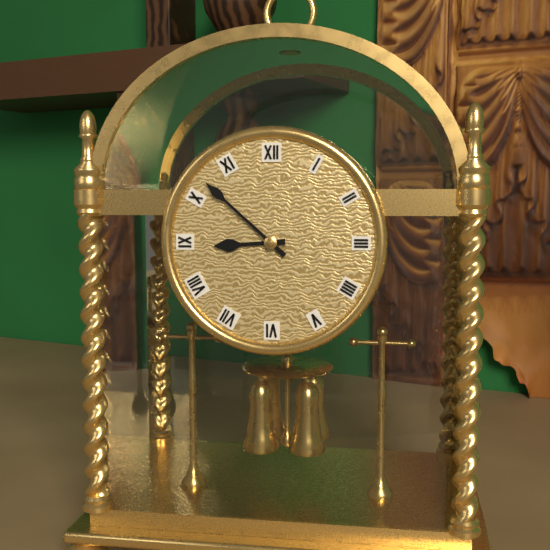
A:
h=8 m=52
